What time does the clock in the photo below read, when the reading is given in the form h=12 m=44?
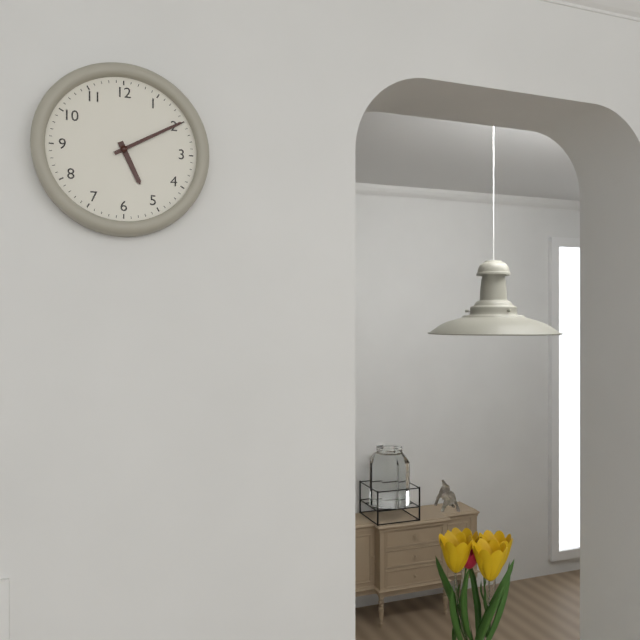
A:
h=5 m=10
